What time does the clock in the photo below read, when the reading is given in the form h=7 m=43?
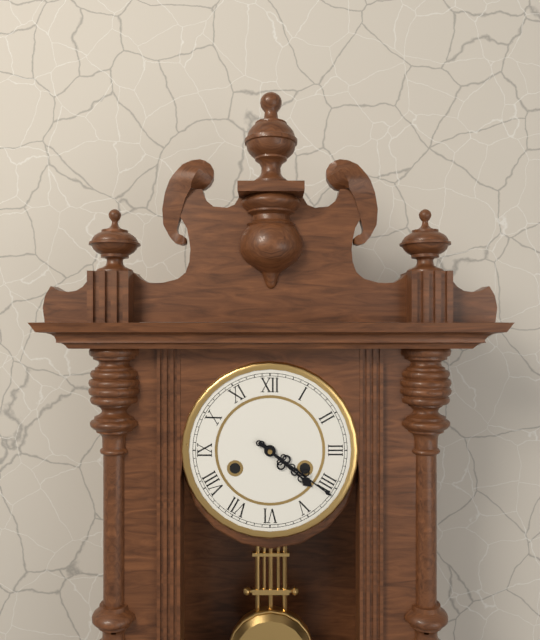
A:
h=4 m=21
